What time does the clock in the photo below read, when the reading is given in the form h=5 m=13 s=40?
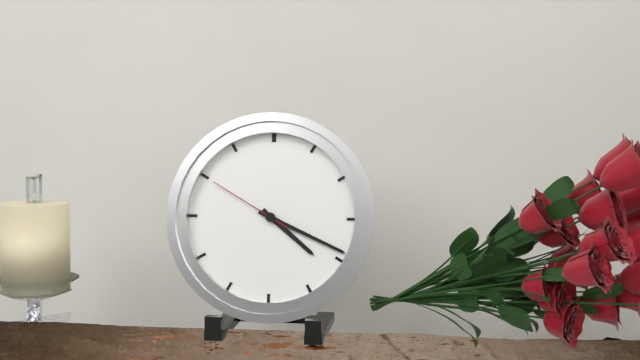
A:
h=4 m=19 s=50
